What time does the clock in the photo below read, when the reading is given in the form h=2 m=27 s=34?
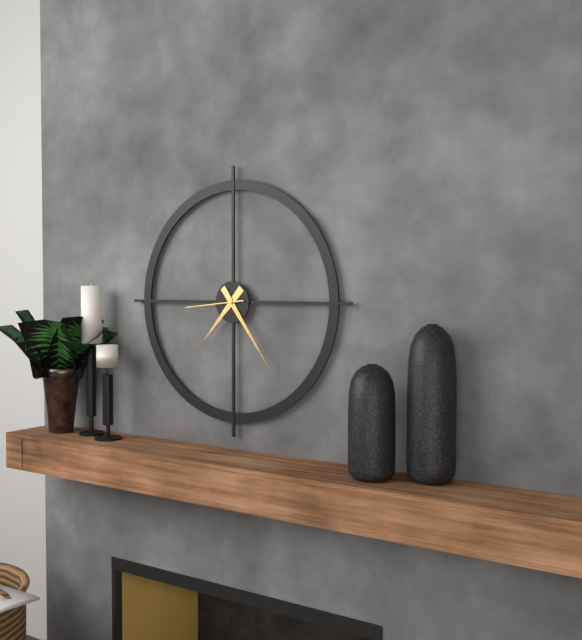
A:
h=7 m=24 s=44
